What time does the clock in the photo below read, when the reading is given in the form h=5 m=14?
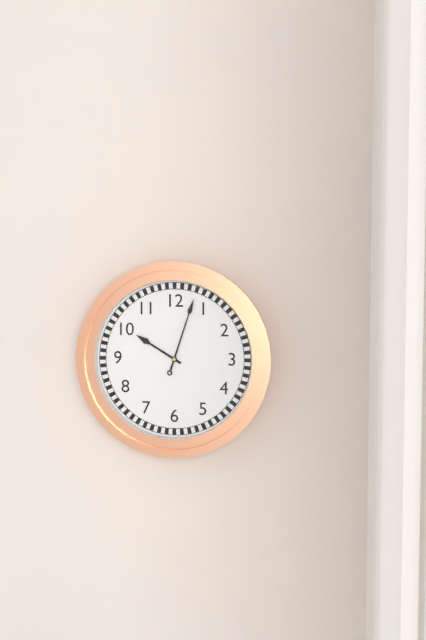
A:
h=10 m=3
